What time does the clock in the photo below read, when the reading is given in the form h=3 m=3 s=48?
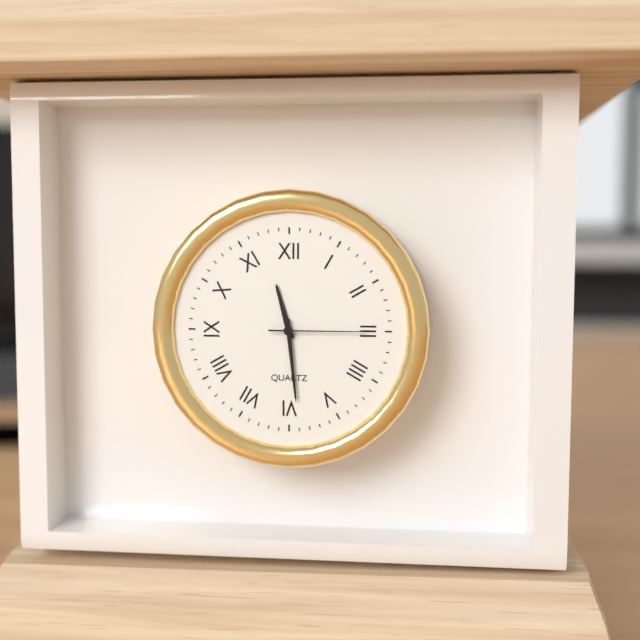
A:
h=11 m=29 s=15
